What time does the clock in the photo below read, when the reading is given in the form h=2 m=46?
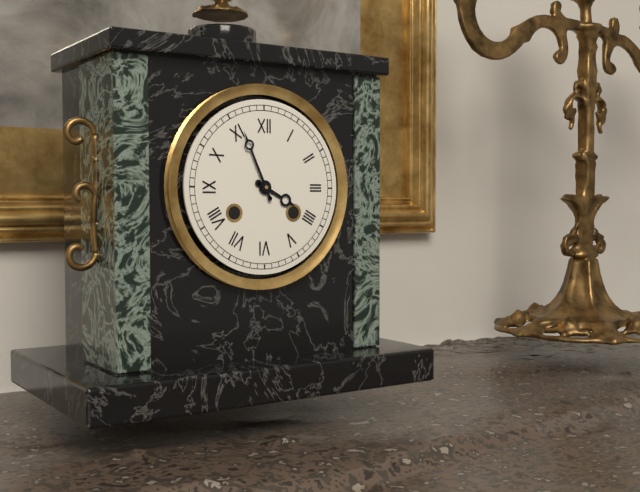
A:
h=3 m=56
